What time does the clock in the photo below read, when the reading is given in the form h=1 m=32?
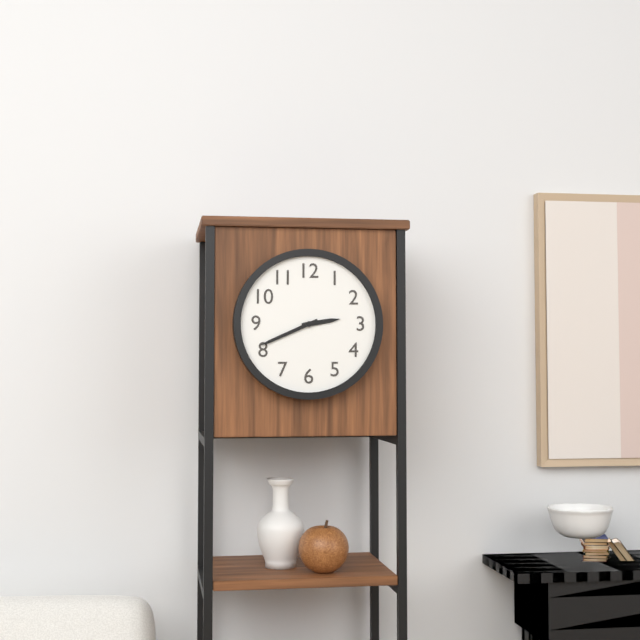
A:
h=2 m=41
